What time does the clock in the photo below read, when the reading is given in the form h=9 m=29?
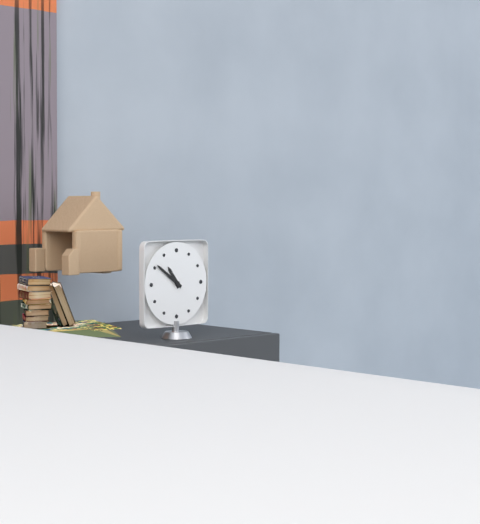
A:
h=10 m=51
